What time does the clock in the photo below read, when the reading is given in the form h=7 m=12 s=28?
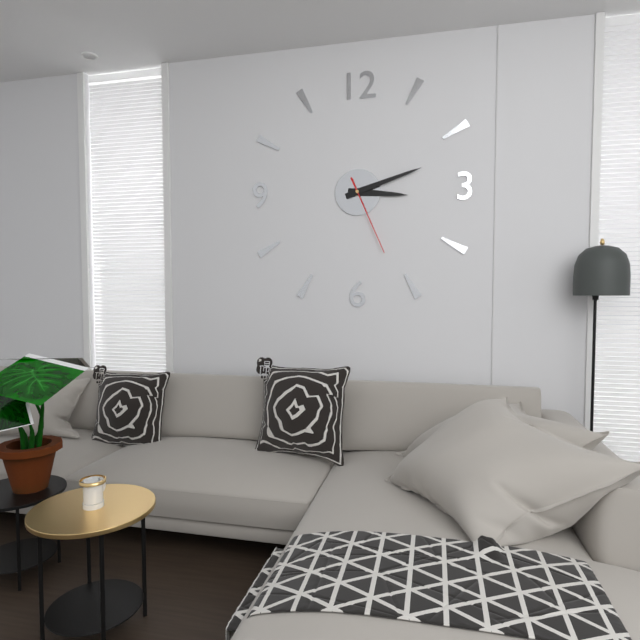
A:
h=3 m=12 s=26
